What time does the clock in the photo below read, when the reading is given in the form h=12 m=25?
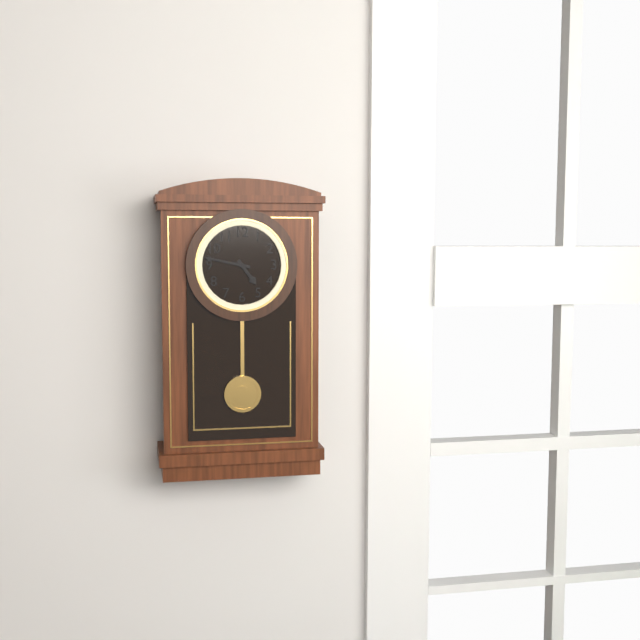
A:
h=4 m=47
